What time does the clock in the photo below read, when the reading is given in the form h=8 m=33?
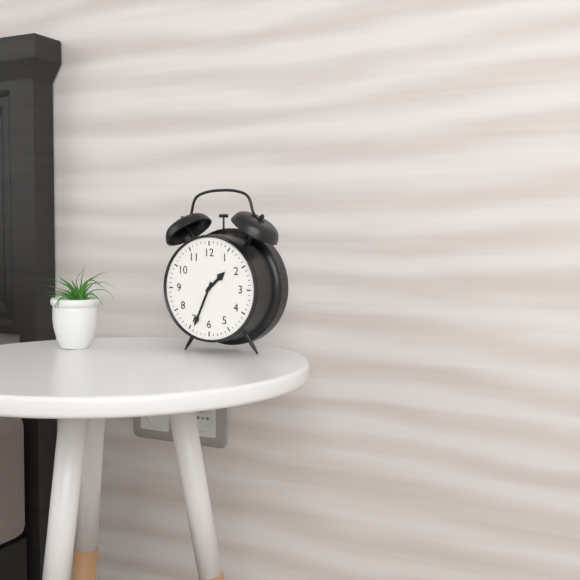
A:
h=1 m=34
